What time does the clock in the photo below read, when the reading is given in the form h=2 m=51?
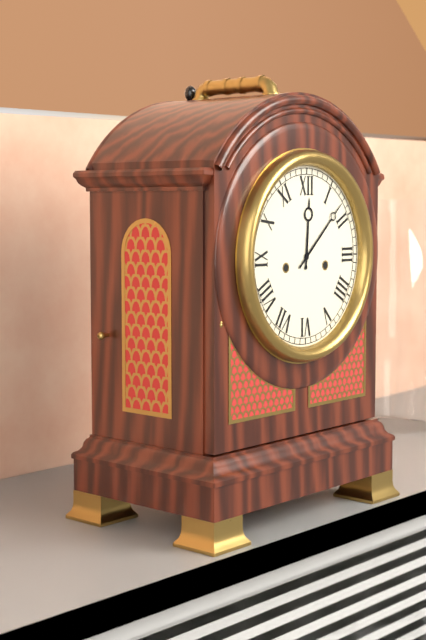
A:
h=12 m=8
